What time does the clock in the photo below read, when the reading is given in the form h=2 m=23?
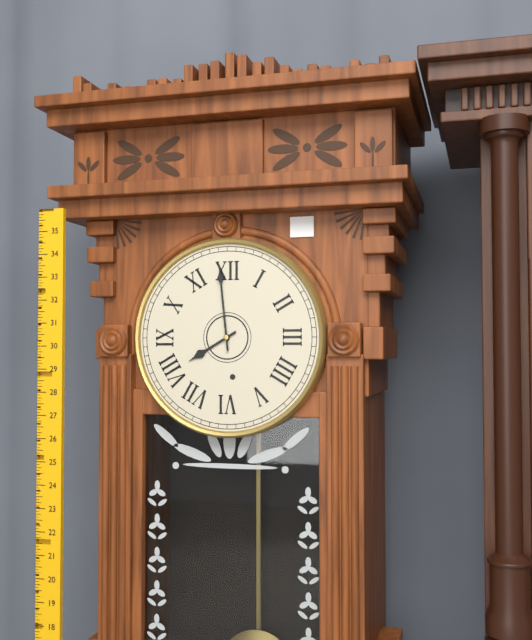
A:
h=7 m=59
